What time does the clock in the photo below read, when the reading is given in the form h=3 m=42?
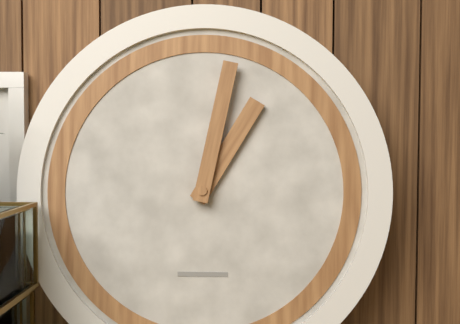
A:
h=1 m=2
